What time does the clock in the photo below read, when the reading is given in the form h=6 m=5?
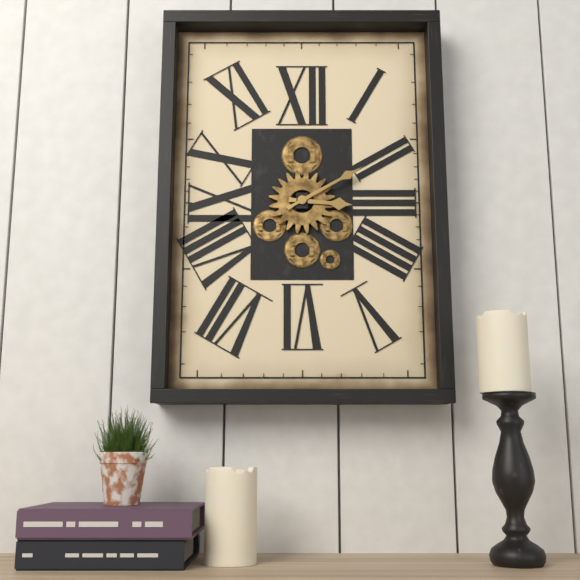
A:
h=3 m=10
